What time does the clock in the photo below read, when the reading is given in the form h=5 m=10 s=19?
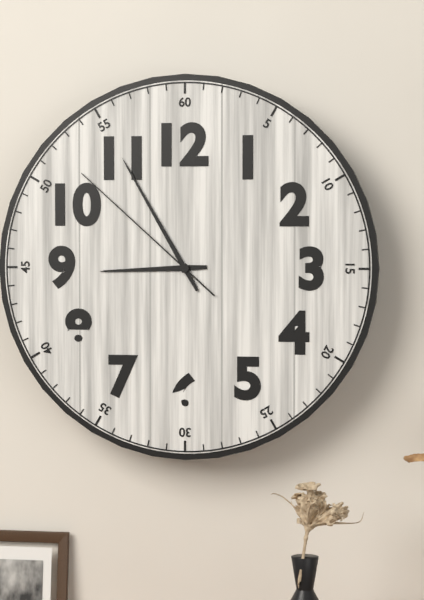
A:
h=8 m=55 s=52
